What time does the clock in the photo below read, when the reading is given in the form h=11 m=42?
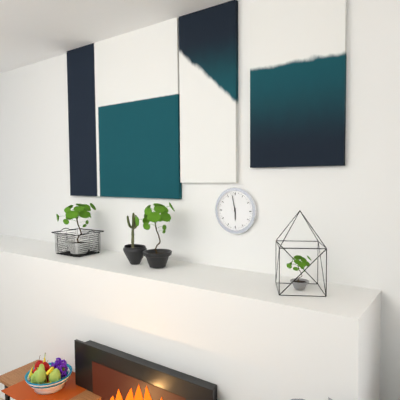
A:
h=5 m=58
